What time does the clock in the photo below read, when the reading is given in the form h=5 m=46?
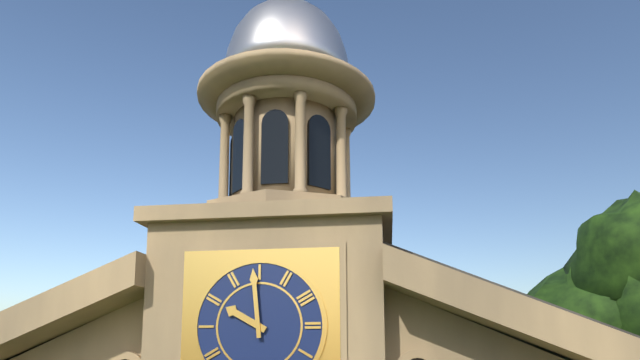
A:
h=9 m=59
